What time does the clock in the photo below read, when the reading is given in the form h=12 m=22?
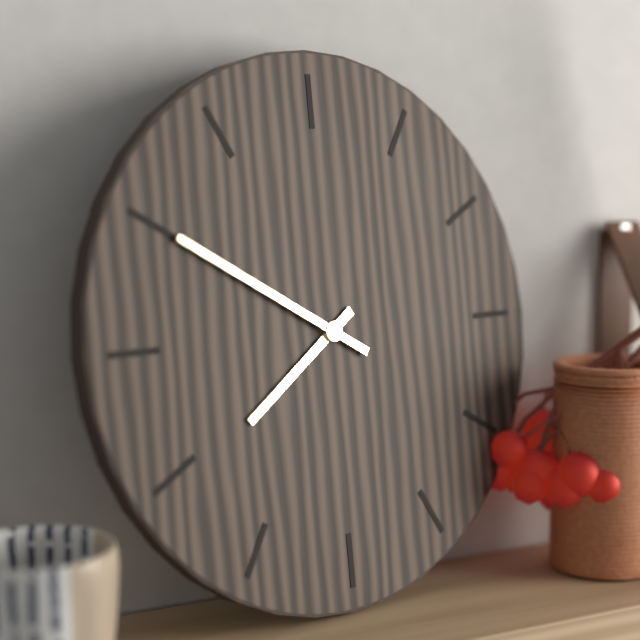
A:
h=7 m=50
